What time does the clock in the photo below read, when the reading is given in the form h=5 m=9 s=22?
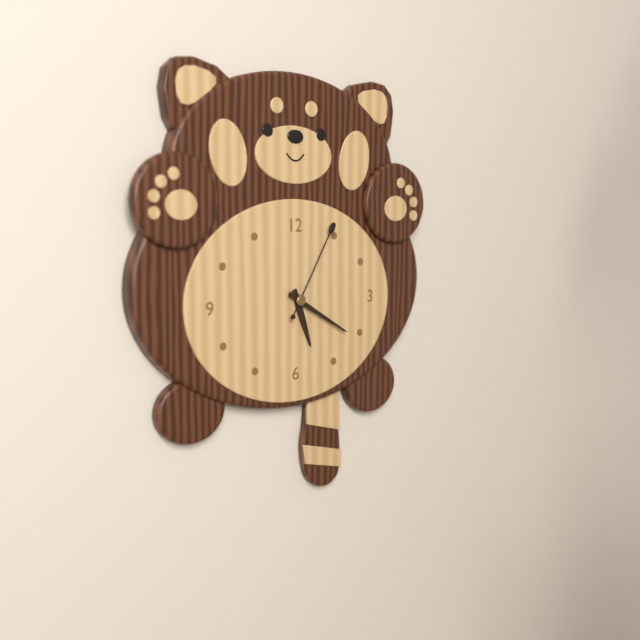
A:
h=5 m=20 s=5
